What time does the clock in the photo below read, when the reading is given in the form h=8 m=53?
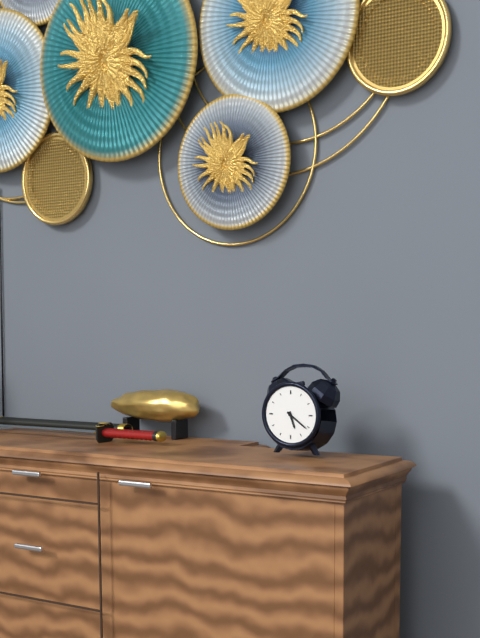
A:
h=5 m=21
